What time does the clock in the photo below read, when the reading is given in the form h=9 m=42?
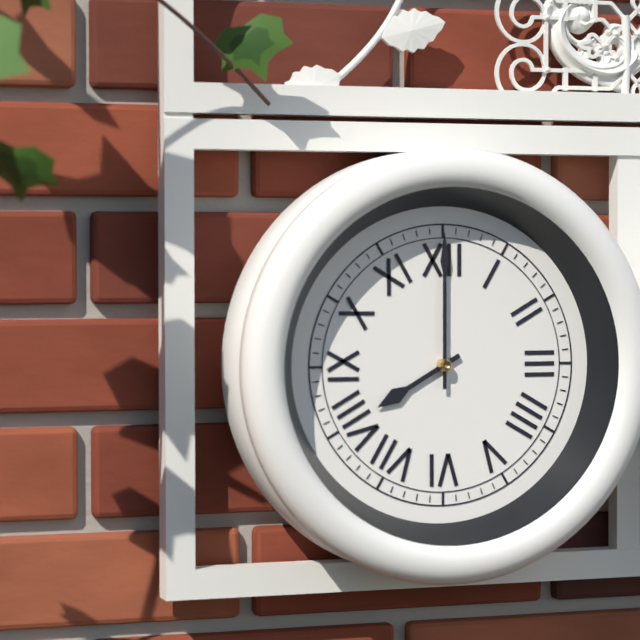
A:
h=8 m=0
